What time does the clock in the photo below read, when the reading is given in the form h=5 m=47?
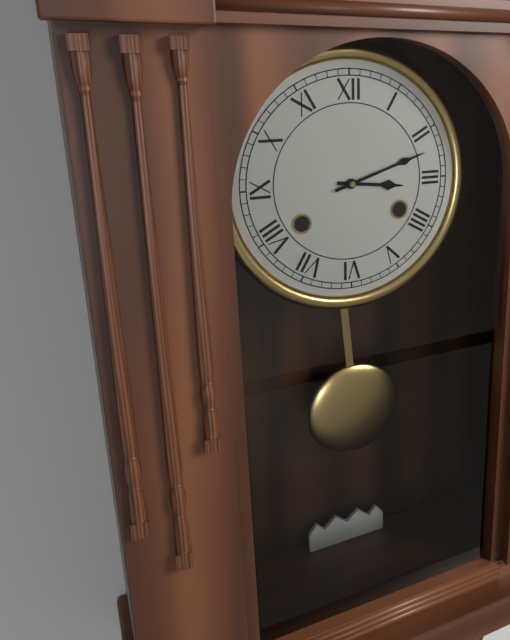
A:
h=3 m=12
